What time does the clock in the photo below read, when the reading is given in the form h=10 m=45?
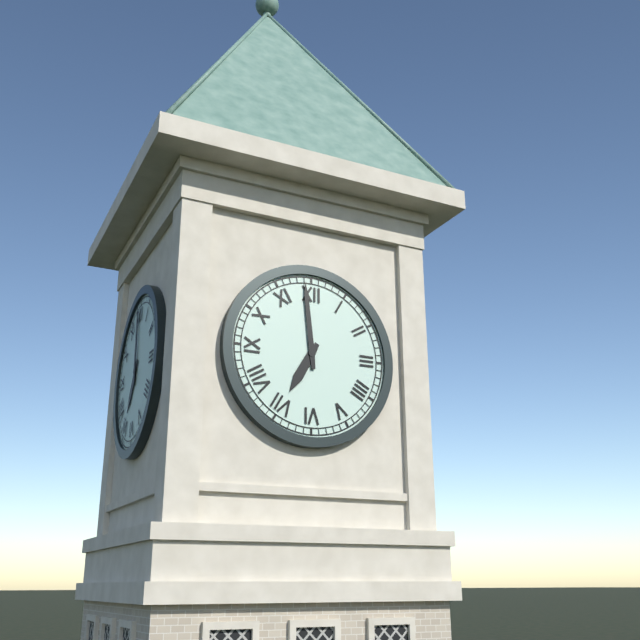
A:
h=6 m=59
